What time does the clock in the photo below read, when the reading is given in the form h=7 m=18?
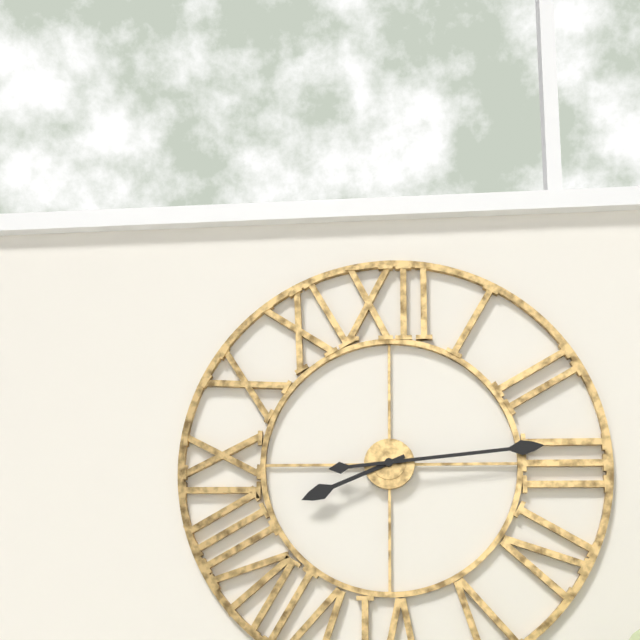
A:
h=8 m=14
